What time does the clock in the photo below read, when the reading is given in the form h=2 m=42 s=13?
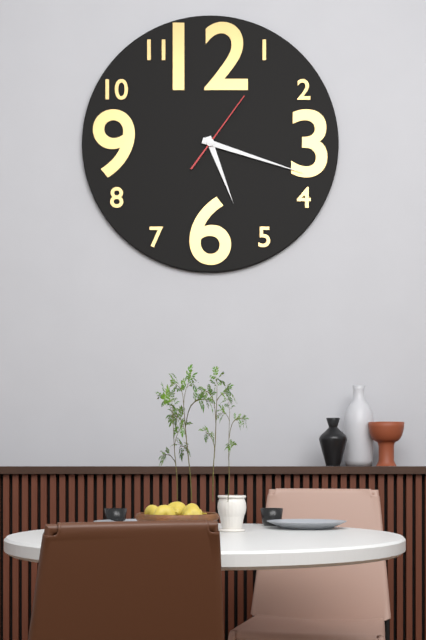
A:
h=5 m=18 s=6
